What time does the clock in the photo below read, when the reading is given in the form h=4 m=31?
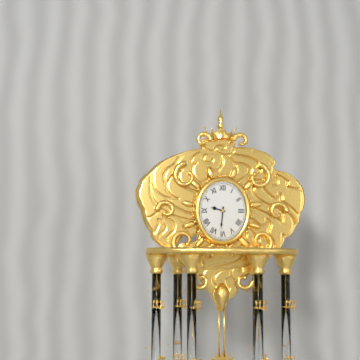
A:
h=9 m=31
